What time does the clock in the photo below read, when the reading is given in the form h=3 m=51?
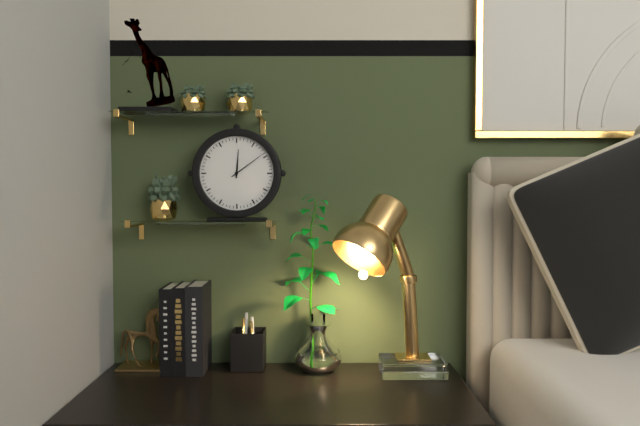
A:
h=12 m=9
